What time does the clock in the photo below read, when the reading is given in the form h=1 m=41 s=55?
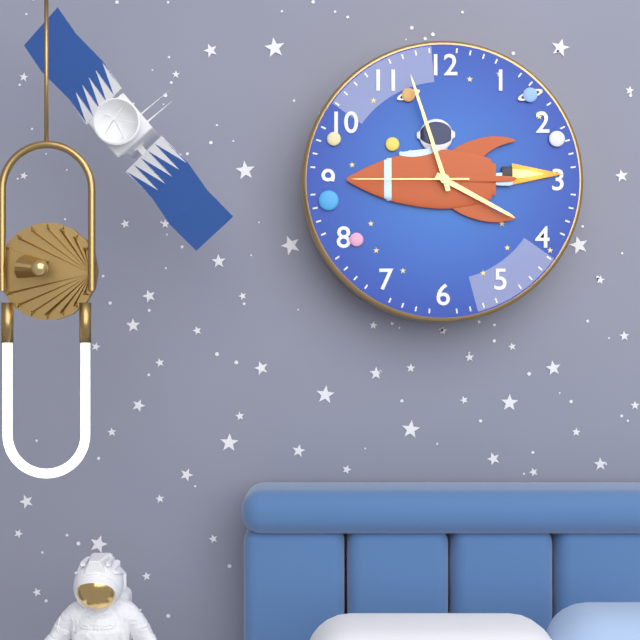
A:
h=3 m=57 s=45
